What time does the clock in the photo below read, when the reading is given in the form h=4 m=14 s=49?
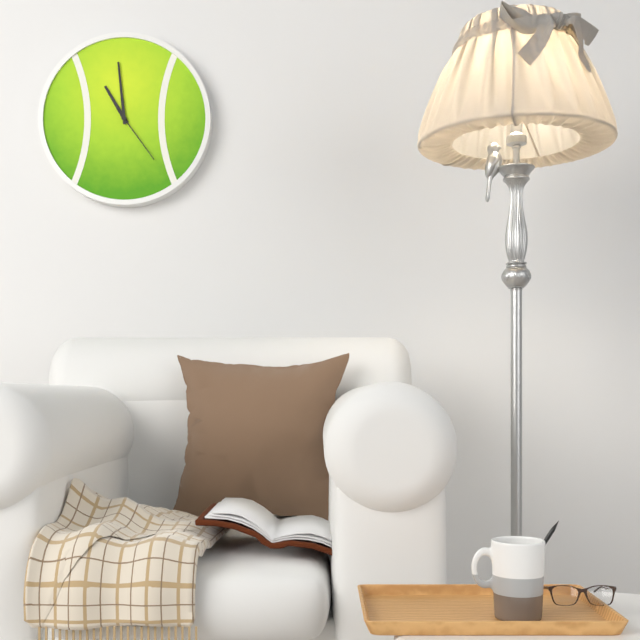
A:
h=10 m=59 s=24
